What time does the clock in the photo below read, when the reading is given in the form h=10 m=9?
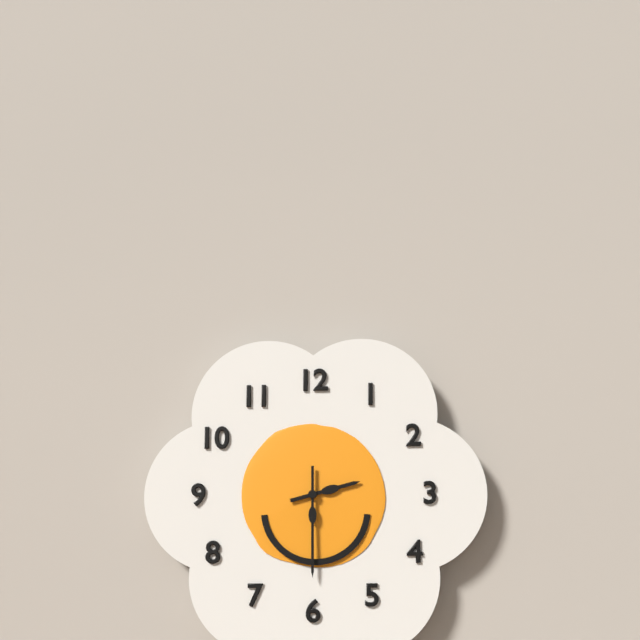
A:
h=2 m=30
